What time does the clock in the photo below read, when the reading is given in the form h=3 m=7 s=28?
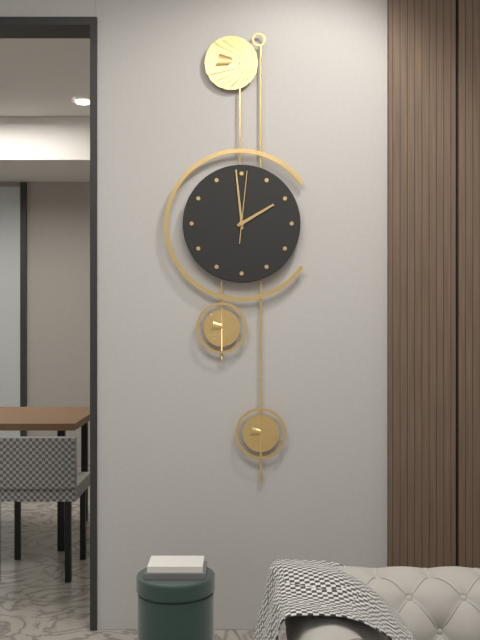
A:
h=1 m=59 s=1
